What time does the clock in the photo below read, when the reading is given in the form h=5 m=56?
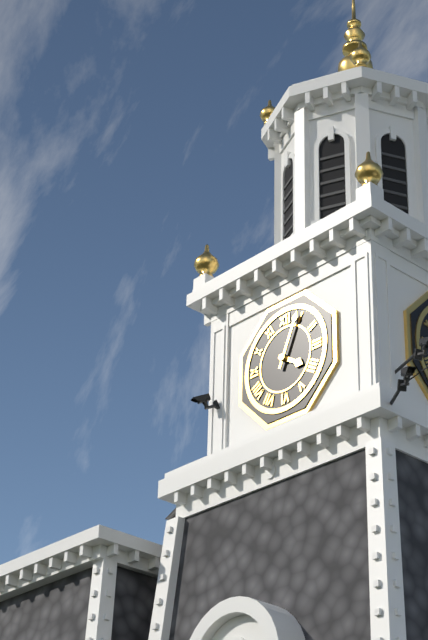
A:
h=4 m=4
